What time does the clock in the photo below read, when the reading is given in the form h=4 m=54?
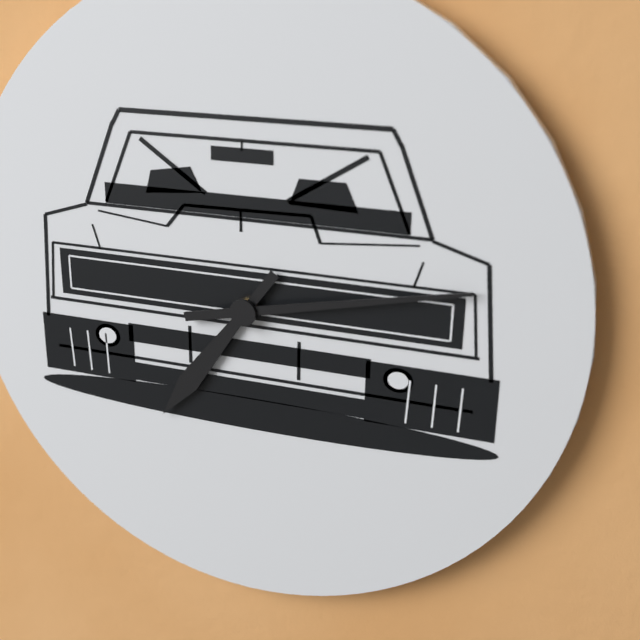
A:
h=7 m=13
